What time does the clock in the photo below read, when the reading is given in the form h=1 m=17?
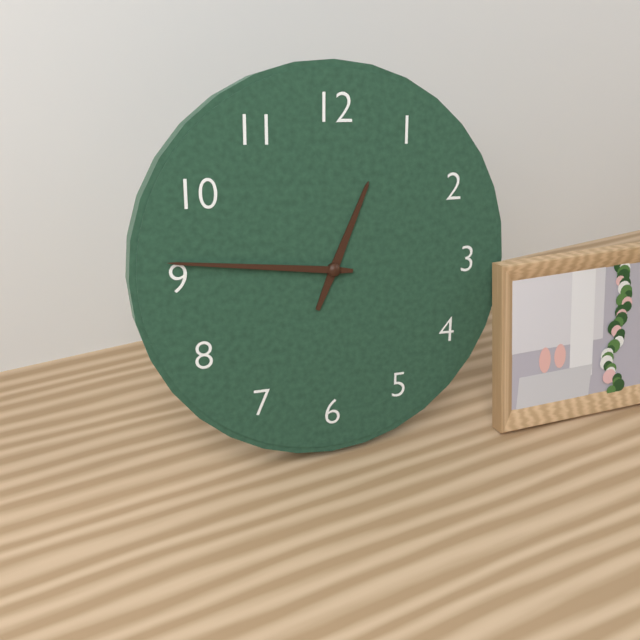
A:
h=12 m=46
